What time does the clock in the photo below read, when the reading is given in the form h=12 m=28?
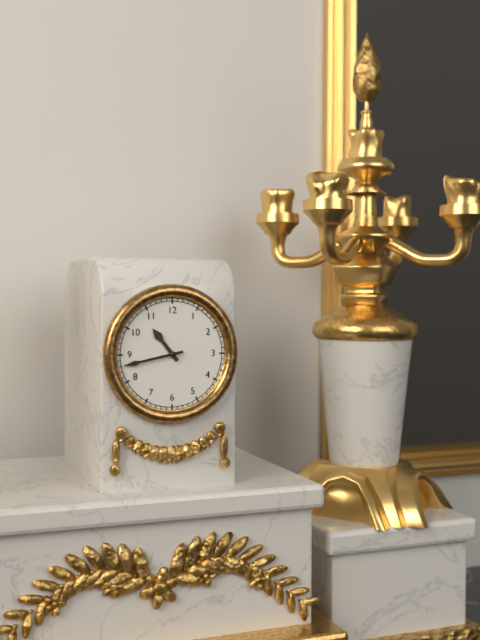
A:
h=10 m=43
